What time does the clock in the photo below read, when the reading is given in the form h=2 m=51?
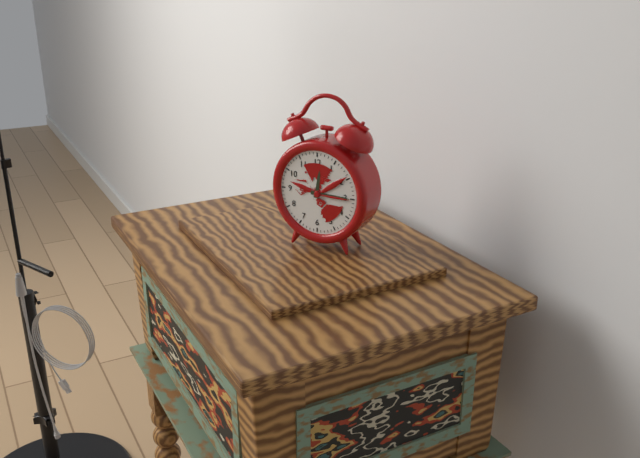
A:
h=12 m=15
